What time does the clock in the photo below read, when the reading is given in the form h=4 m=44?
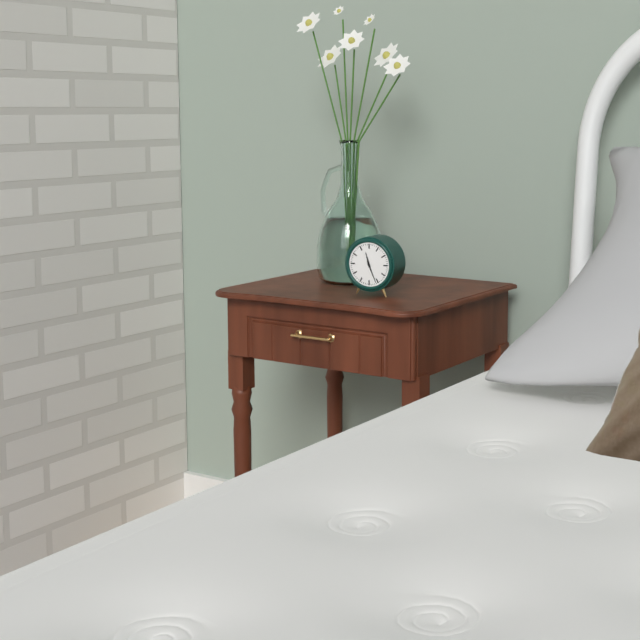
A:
h=11 m=26
